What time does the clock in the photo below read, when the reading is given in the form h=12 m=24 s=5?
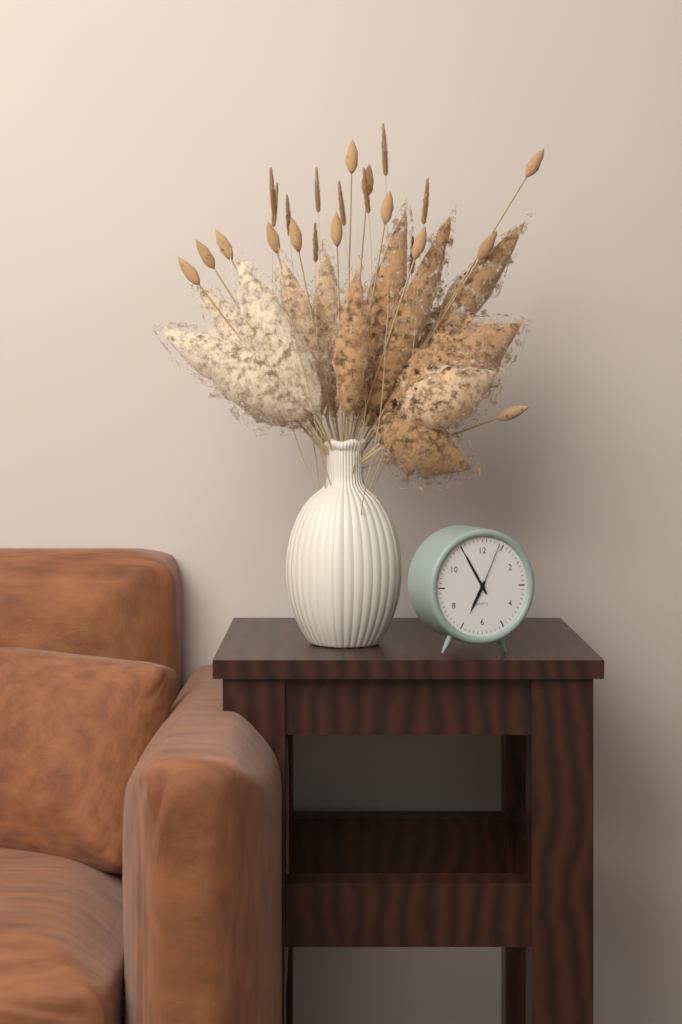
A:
h=6 m=55 s=4
